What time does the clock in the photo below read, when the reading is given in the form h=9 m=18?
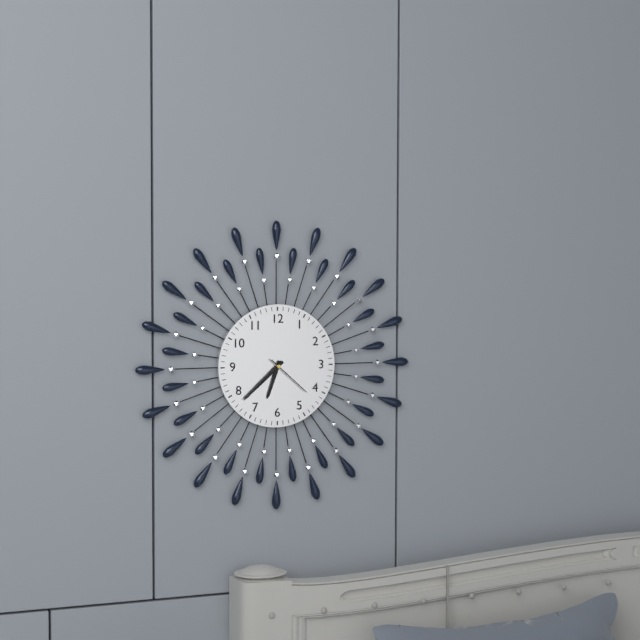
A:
h=6 m=38
